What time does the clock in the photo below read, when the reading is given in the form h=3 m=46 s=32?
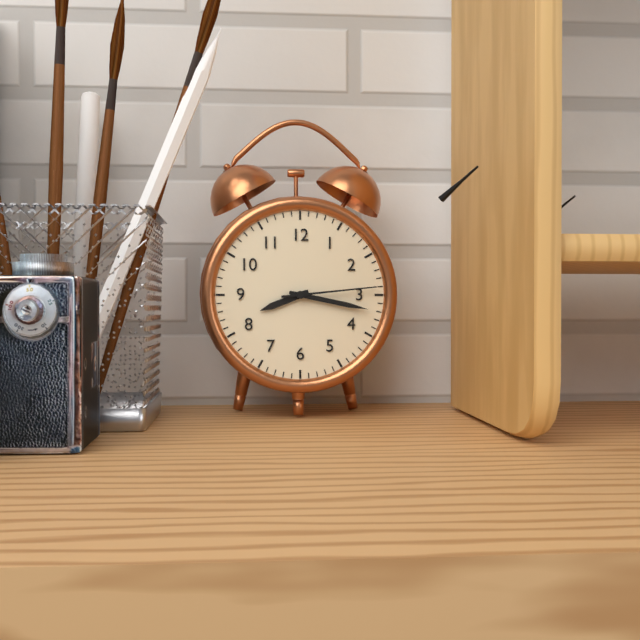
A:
h=8 m=17 s=14
